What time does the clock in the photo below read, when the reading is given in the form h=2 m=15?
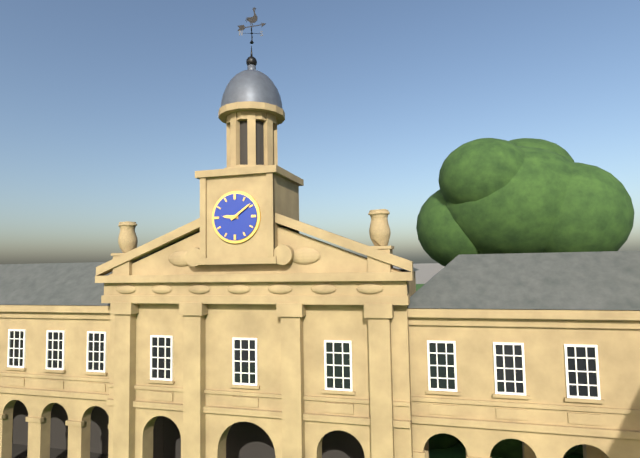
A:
h=9 m=9
